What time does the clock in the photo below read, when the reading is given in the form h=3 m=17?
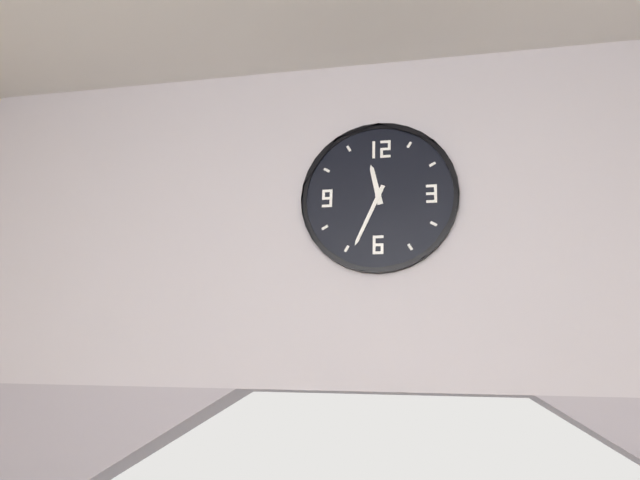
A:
h=11 m=34
